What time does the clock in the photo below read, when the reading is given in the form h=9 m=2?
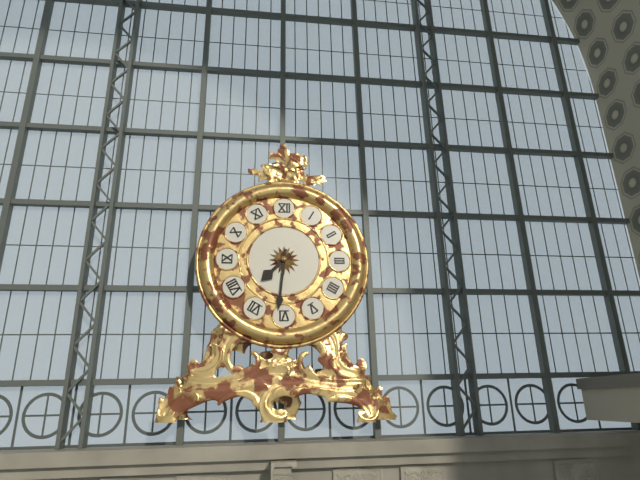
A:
h=7 m=31
